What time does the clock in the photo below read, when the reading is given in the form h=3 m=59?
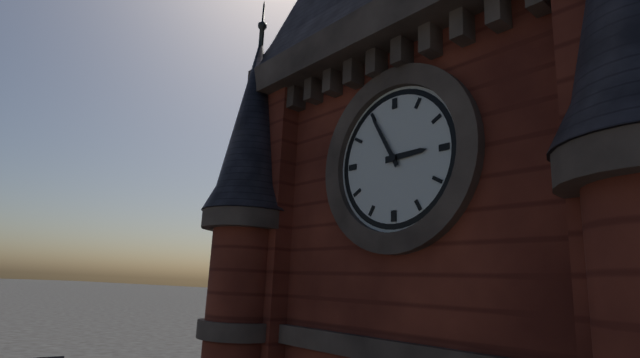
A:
h=2 m=55
